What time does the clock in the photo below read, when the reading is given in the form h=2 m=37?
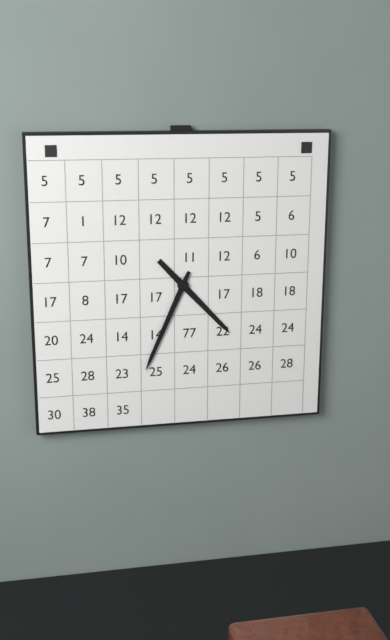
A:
h=4 m=34
